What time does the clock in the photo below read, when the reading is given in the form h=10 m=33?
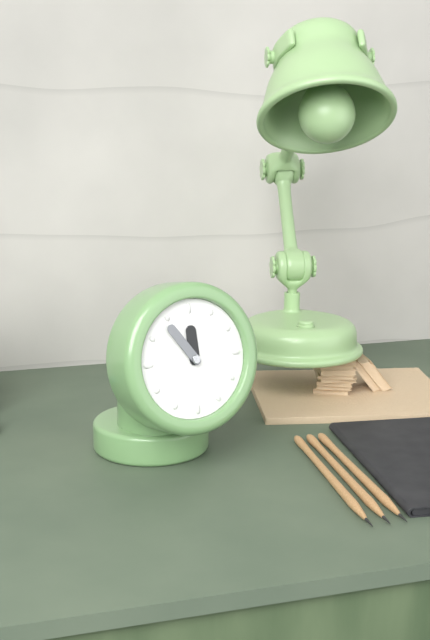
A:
h=11 m=54
